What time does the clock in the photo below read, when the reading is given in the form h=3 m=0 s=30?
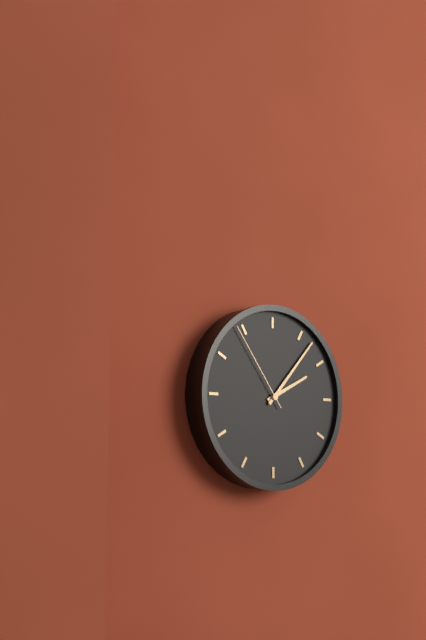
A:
h=2 m=7 s=54
